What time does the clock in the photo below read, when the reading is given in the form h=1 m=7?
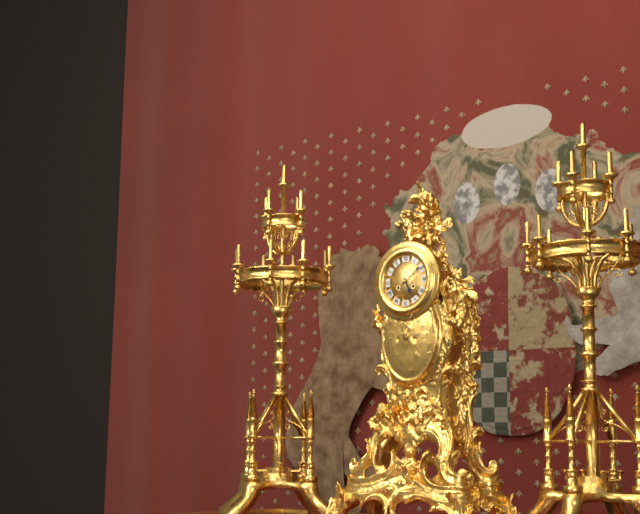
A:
h=5 m=9
